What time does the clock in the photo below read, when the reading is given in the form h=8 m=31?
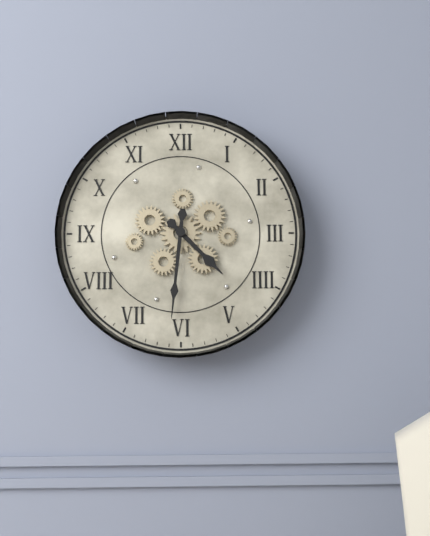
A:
h=4 m=31
